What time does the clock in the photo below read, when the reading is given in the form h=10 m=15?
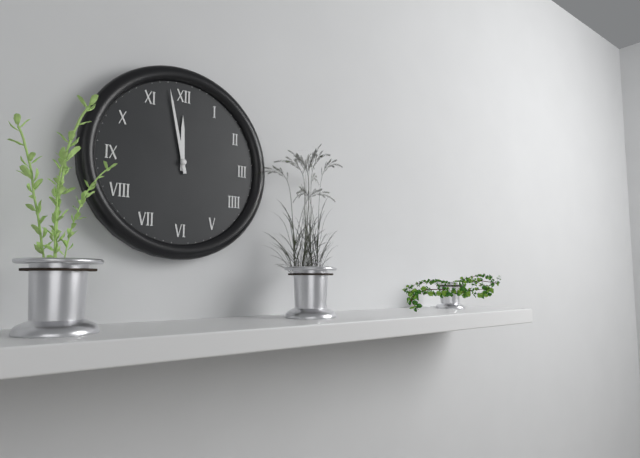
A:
h=11 m=58
